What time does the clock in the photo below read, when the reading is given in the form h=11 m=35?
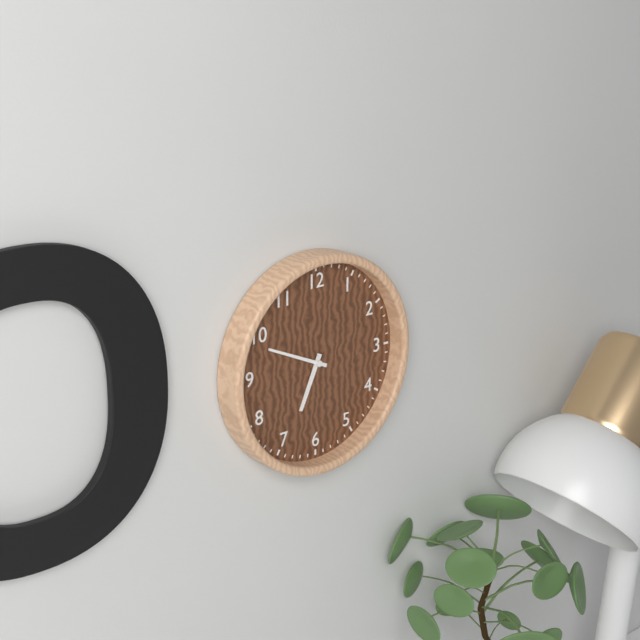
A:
h=6 m=49
